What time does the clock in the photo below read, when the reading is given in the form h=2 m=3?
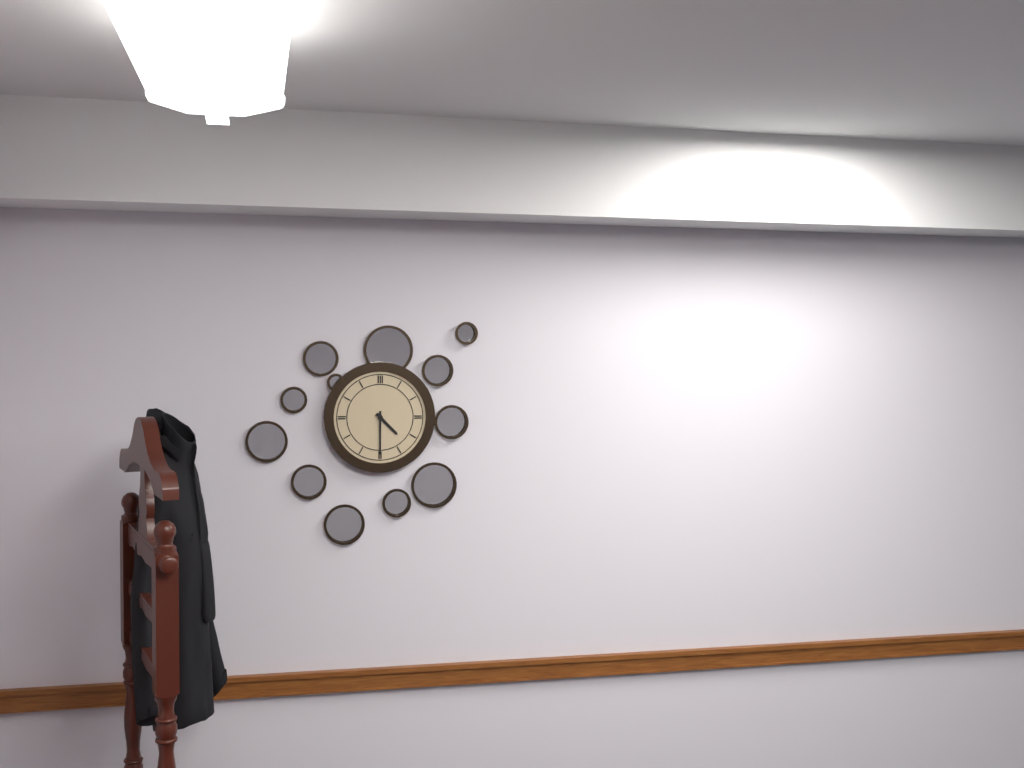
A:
h=4 m=30
